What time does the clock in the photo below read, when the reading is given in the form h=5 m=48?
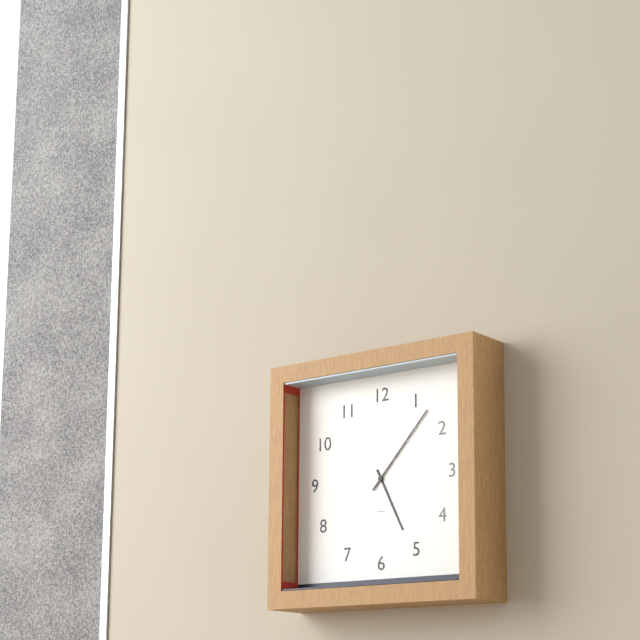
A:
h=5 m=7
